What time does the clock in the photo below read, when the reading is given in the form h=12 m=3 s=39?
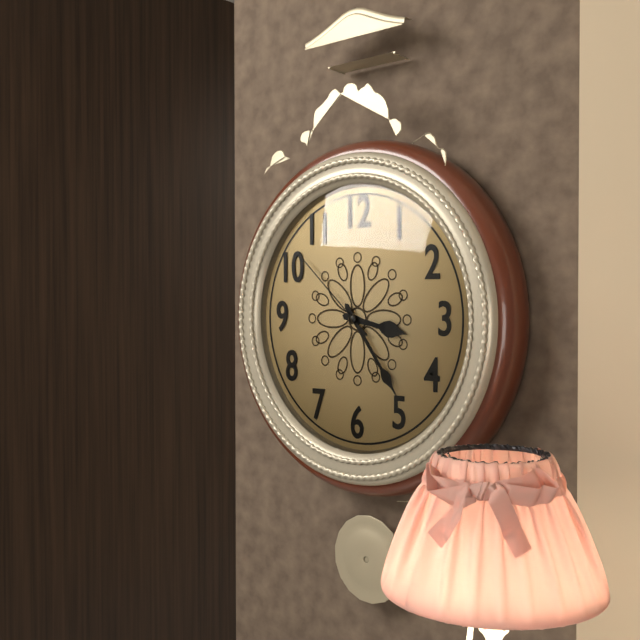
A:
h=3 m=24 s=52
